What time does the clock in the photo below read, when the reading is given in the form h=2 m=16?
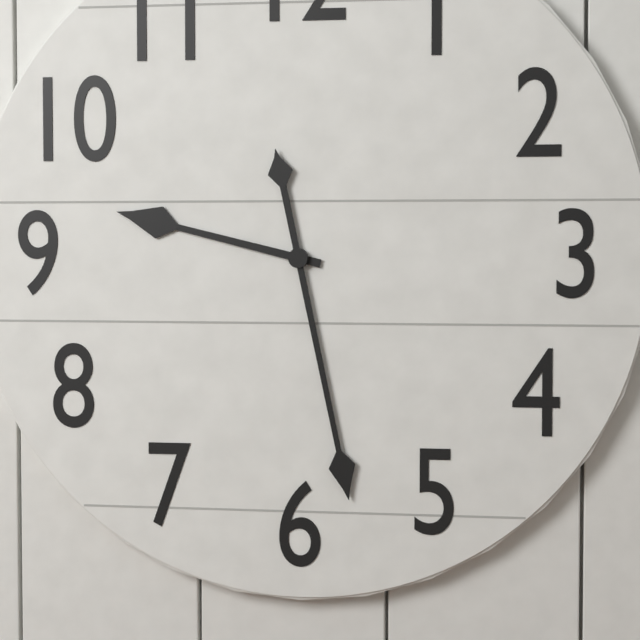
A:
h=9 m=28
